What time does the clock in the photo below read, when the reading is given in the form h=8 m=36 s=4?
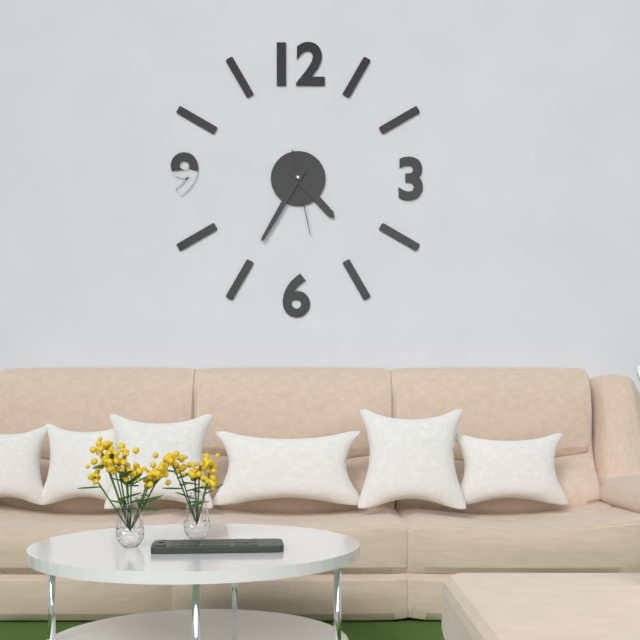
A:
h=4 m=35 s=28
